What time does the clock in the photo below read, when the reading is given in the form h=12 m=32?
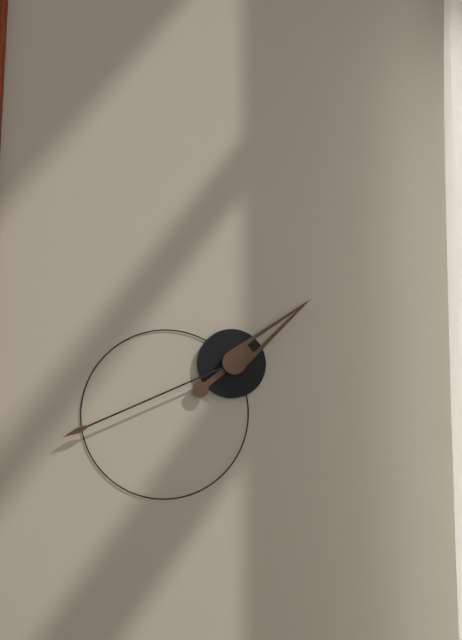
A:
h=1 m=41
